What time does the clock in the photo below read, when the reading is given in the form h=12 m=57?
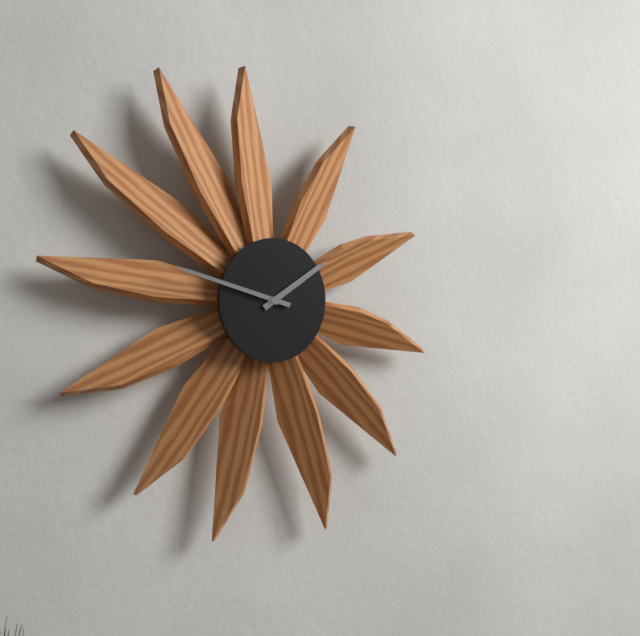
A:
h=1 m=48
